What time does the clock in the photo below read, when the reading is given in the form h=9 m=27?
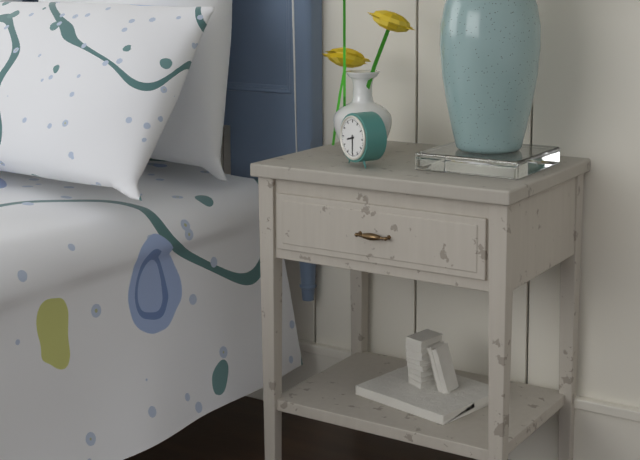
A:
h=8 m=30
